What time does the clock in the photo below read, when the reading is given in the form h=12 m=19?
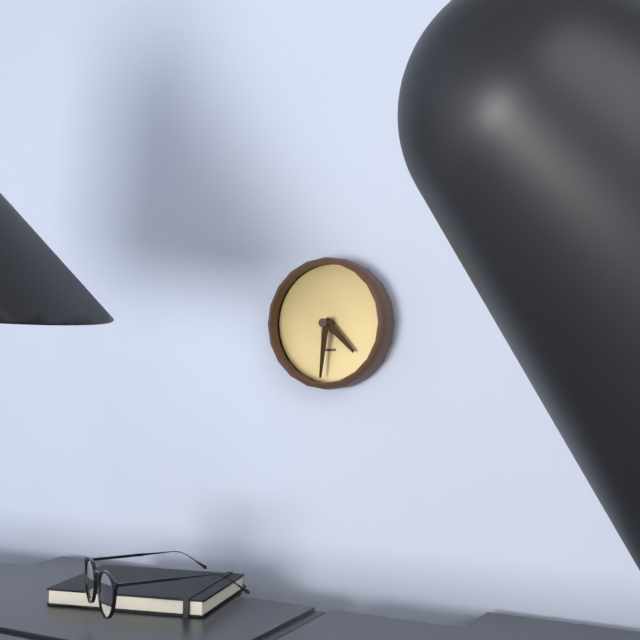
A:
h=4 m=31
